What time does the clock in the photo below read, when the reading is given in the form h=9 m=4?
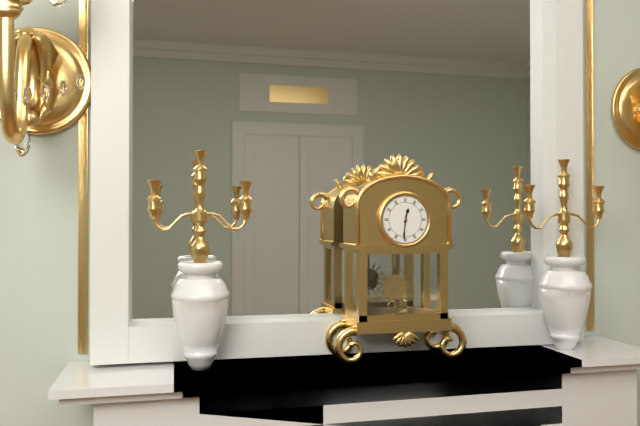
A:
h=12 m=31
